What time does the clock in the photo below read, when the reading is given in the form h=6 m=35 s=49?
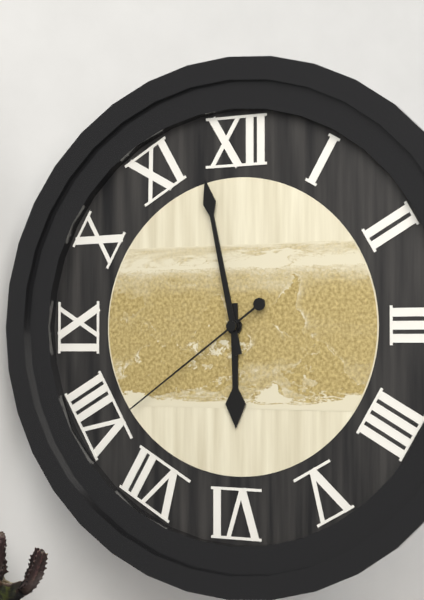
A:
h=5 m=58 s=39
